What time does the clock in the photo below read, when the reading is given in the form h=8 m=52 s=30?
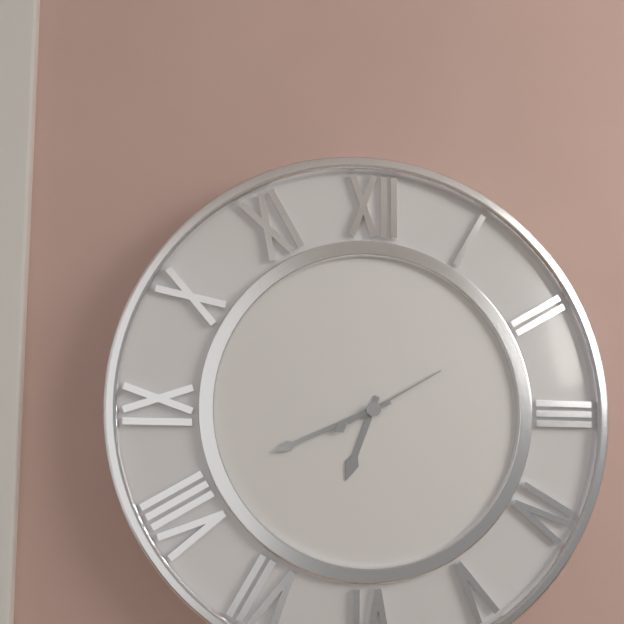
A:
h=6 m=41 s=10
